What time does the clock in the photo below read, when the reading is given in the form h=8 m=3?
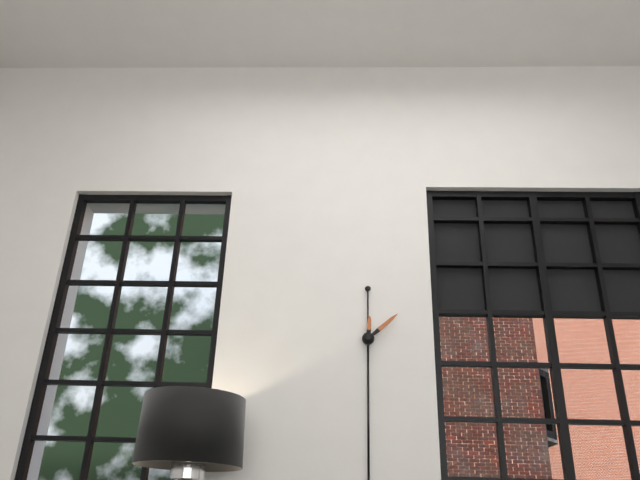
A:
h=12 m=8
